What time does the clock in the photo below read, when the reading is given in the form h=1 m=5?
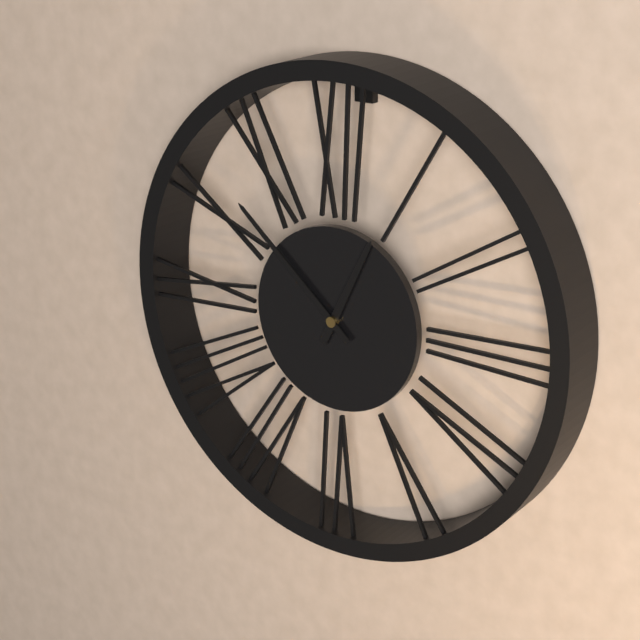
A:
h=12 m=52
